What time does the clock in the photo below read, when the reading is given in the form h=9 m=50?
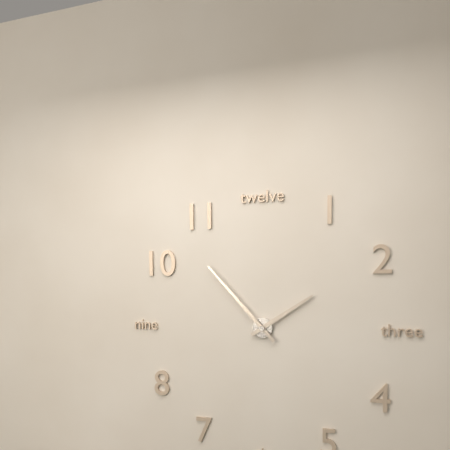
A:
h=1 m=53
